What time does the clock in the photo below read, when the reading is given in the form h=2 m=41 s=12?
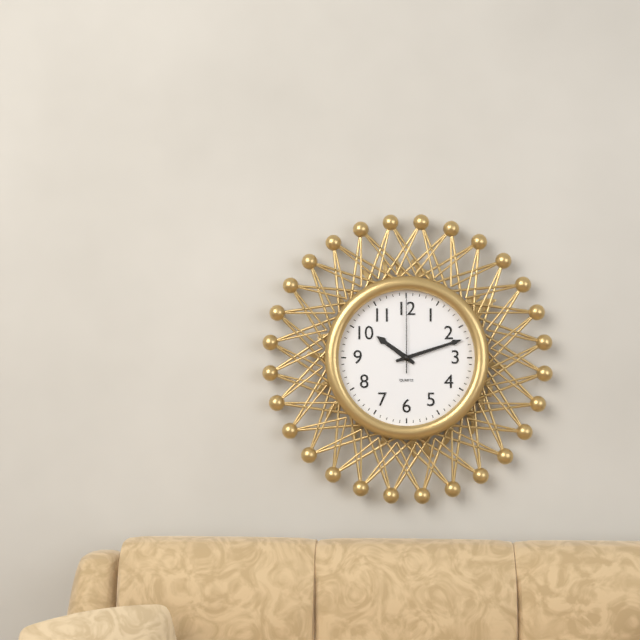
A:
h=10 m=12 s=0
